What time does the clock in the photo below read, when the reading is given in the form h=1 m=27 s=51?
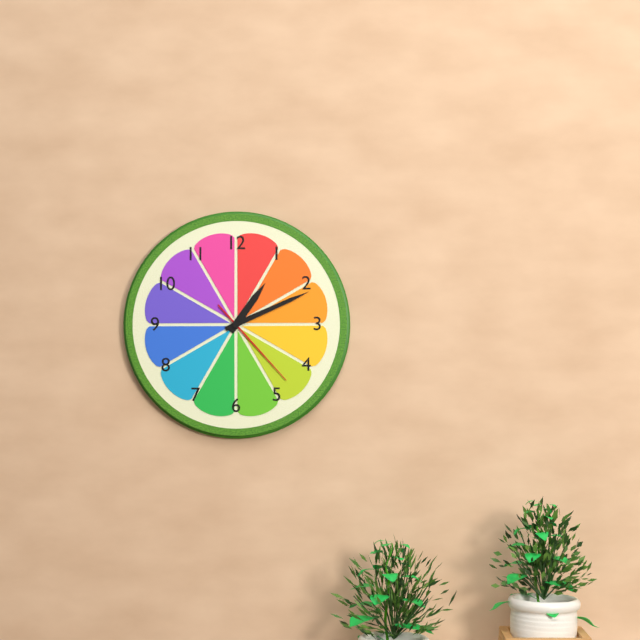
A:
h=1 m=11 s=23
